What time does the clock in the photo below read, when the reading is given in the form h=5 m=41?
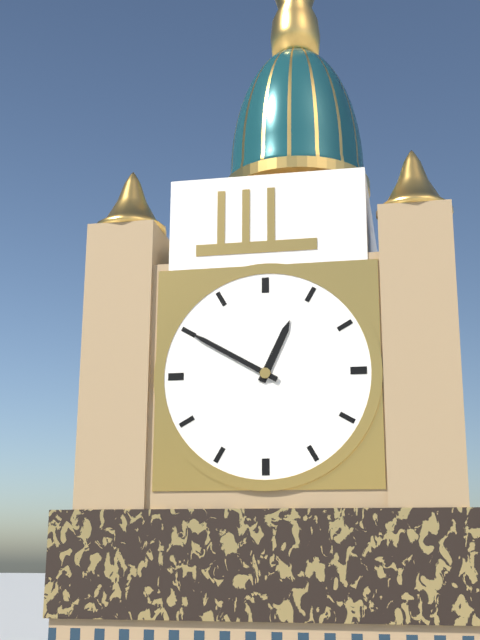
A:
h=12 m=50
